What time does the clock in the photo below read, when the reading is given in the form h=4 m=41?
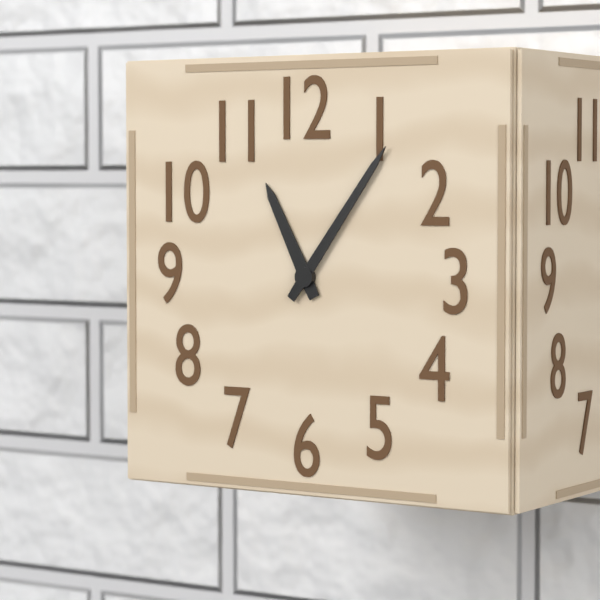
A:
h=11 m=6
